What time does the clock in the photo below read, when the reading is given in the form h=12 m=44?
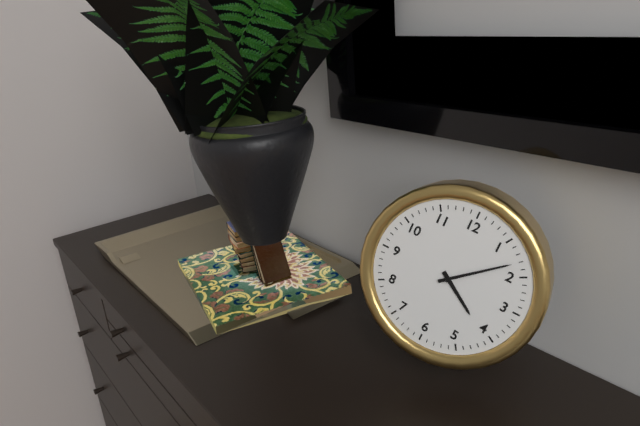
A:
h=4 m=8
